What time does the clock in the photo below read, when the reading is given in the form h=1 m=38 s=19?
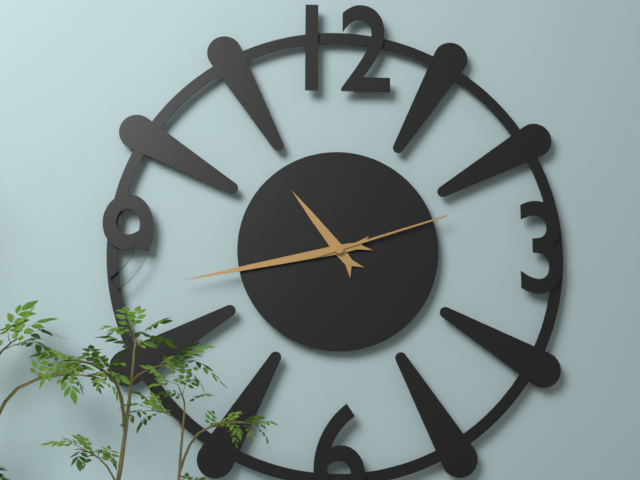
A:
h=10 m=43 s=12
